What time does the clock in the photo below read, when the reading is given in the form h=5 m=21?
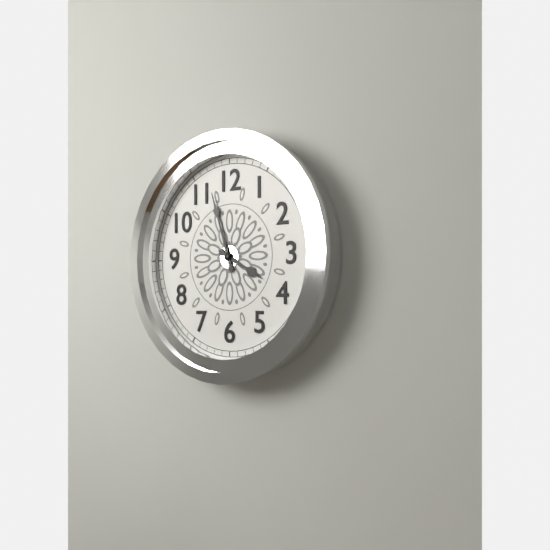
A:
h=3 m=57
